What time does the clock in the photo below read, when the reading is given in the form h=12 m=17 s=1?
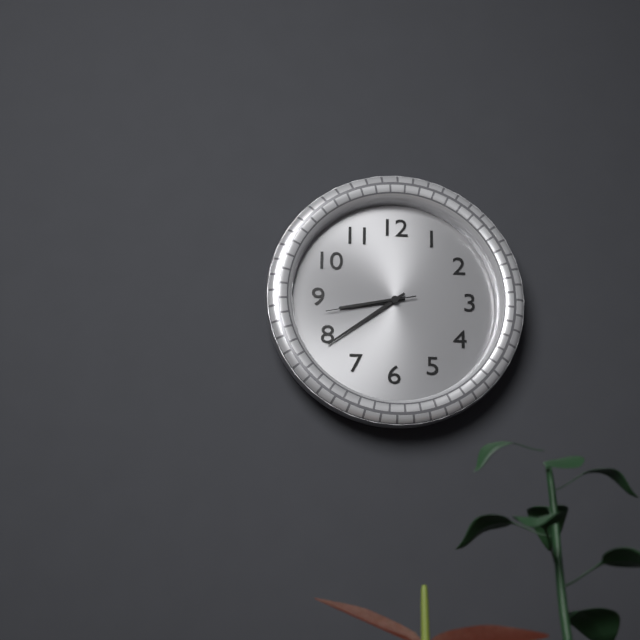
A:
h=8 m=39 s=43
